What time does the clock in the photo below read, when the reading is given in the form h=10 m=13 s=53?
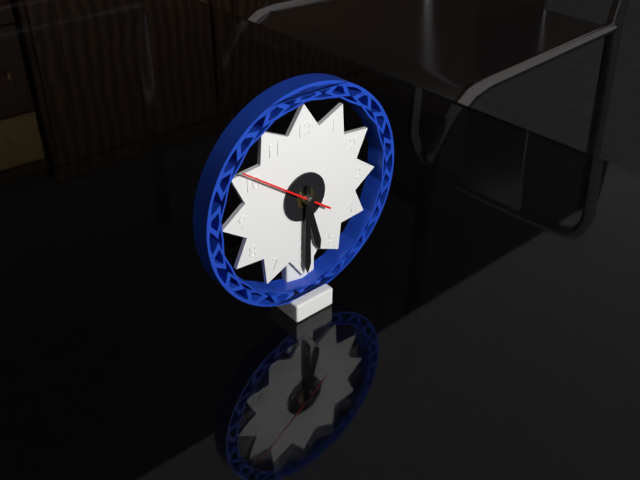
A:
h=5 m=30 s=51
